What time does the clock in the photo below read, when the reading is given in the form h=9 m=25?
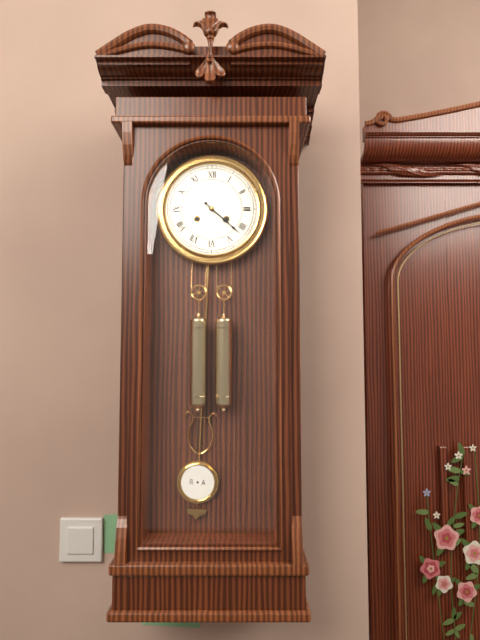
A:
h=4 m=22
